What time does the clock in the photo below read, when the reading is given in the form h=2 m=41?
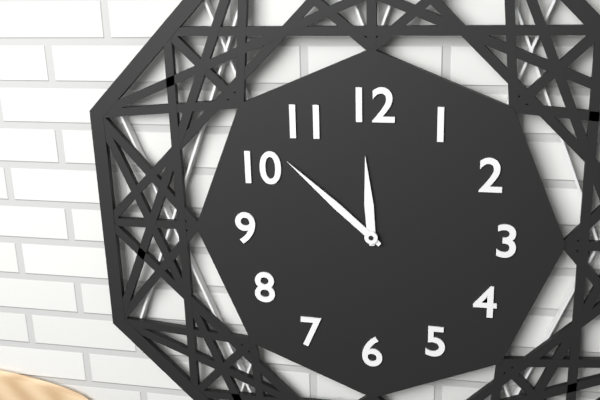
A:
h=11 m=52
